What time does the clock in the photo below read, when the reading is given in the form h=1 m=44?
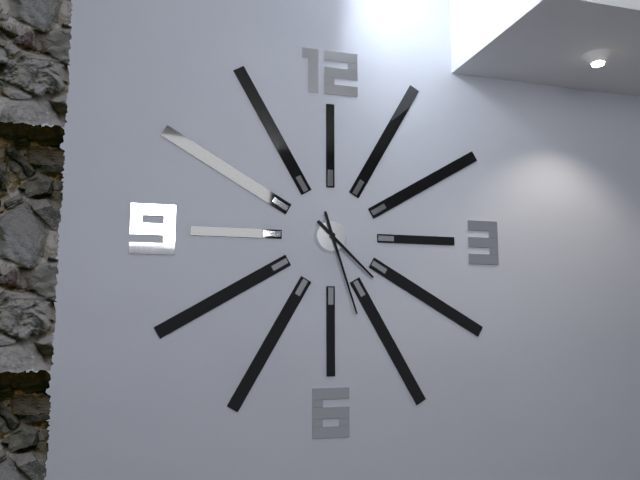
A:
h=4 m=27
